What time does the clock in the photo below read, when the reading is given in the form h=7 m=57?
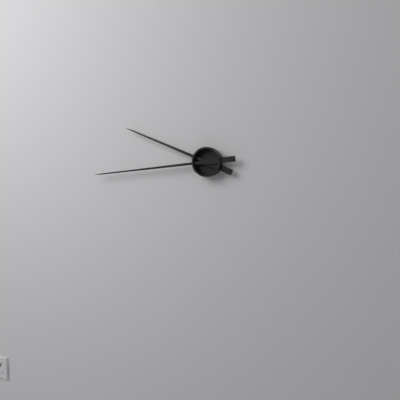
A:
h=9 m=44
